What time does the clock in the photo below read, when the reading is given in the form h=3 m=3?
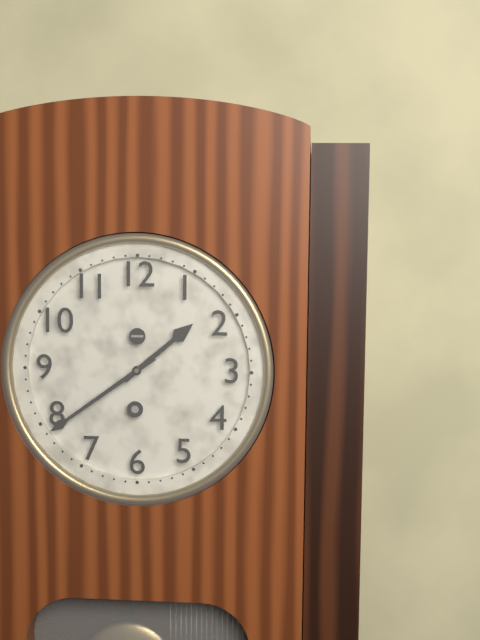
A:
h=1 m=39
